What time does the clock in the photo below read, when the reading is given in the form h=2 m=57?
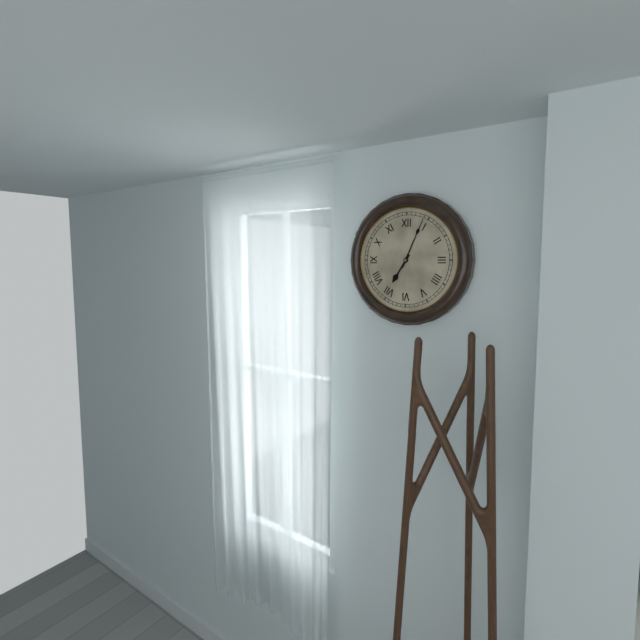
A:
h=7 m=4
